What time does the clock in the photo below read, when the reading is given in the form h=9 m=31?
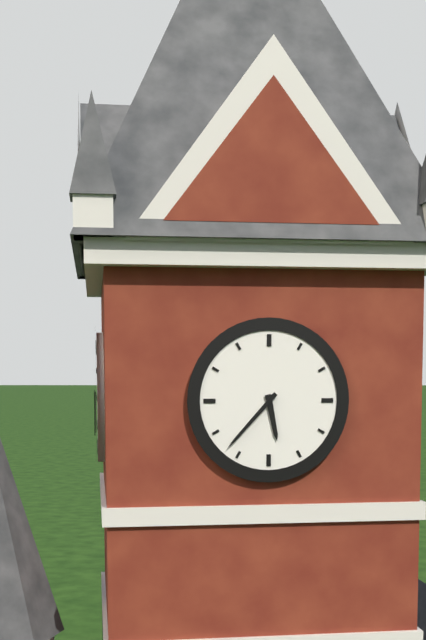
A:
h=5 m=37
